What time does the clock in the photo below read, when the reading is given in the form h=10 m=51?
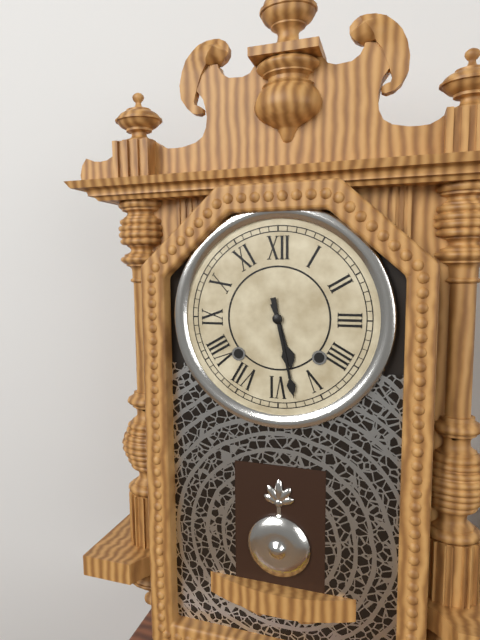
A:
h=5 m=28
